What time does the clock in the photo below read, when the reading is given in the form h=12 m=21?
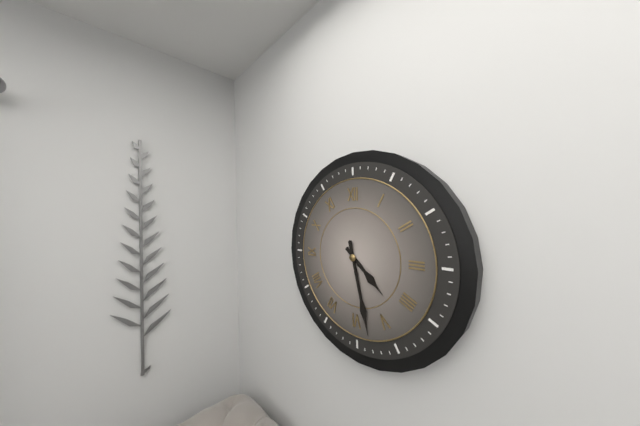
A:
h=4 m=28
